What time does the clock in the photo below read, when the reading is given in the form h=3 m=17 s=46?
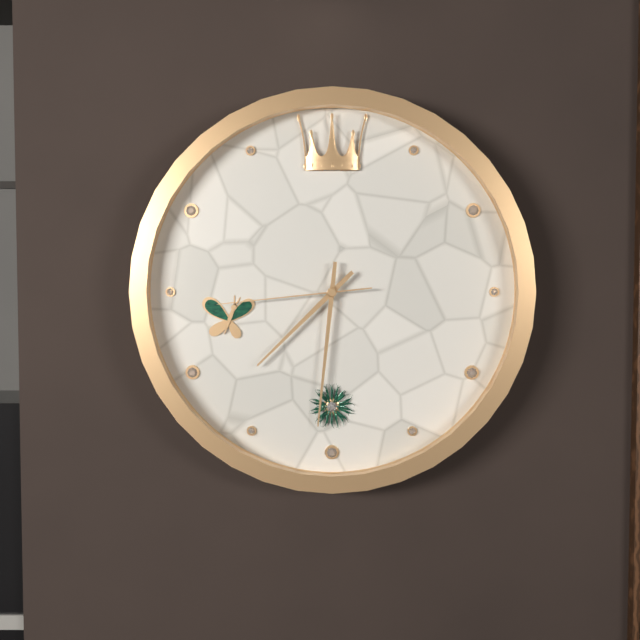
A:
h=7 m=31 s=44
